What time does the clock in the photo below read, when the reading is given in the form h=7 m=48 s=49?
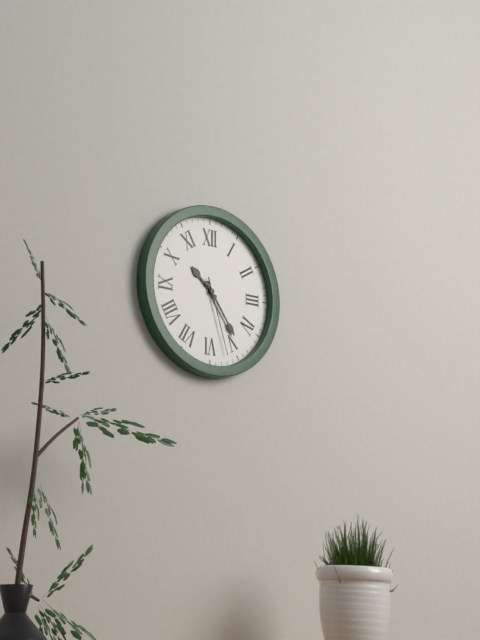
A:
h=10 m=24 s=27
